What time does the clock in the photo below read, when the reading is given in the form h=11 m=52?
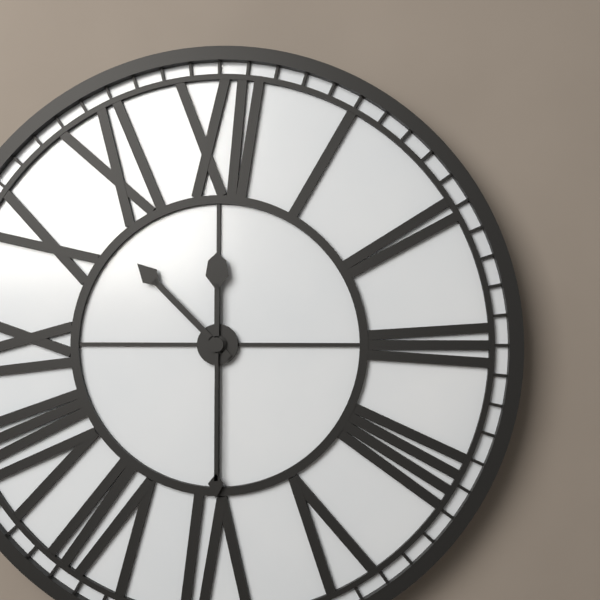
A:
h=10 m=30
